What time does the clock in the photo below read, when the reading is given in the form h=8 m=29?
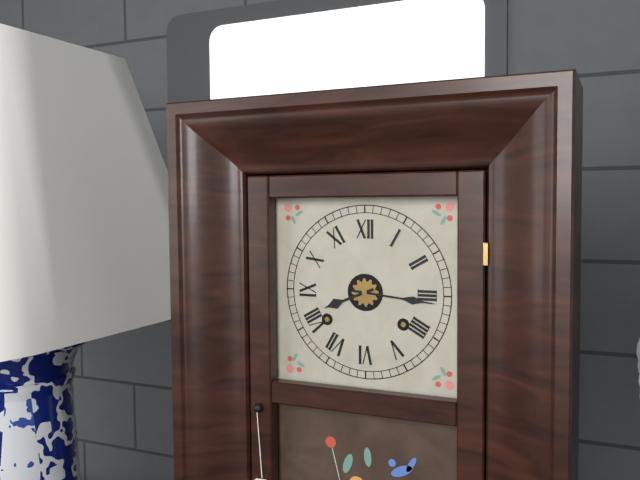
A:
h=8 m=16
